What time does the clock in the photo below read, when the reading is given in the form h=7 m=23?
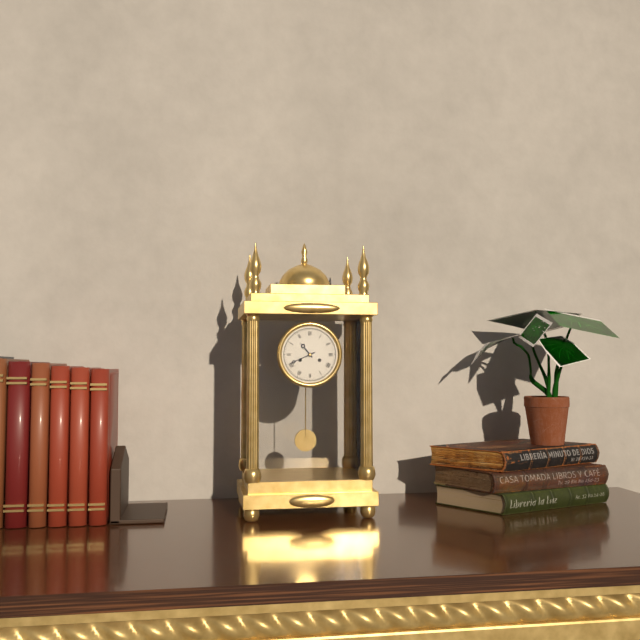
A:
h=10 m=41
